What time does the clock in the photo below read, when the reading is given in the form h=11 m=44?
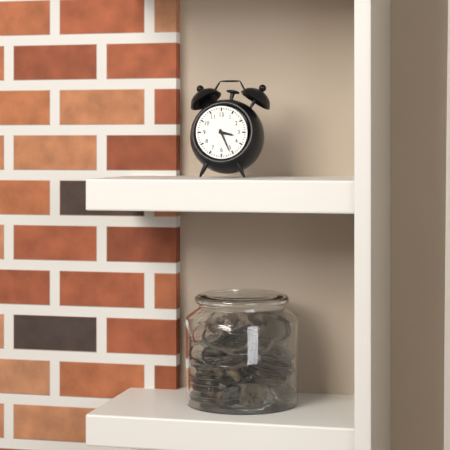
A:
h=3 m=26
